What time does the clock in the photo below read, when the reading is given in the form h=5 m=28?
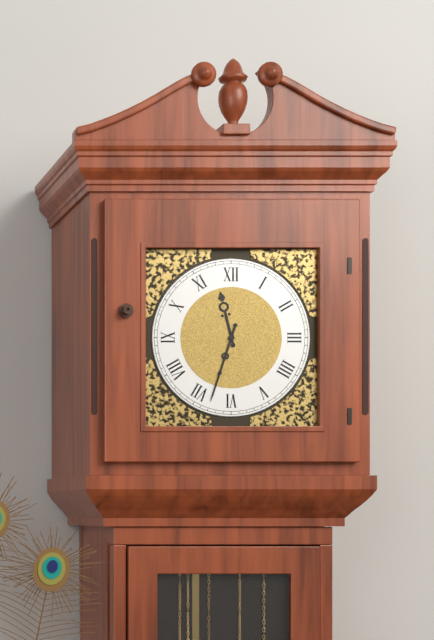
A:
h=11 m=33
